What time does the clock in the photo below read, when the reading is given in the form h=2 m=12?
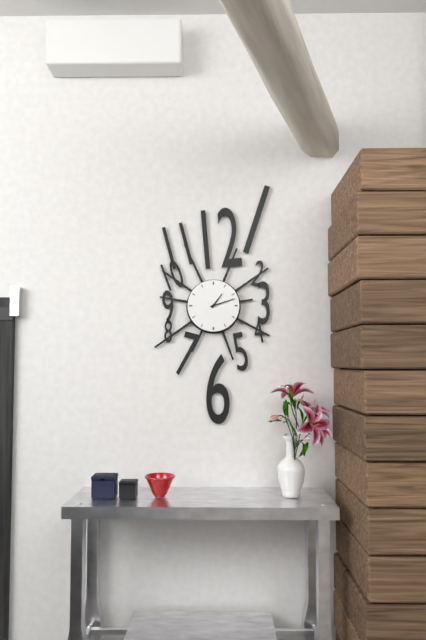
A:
h=1 m=12
